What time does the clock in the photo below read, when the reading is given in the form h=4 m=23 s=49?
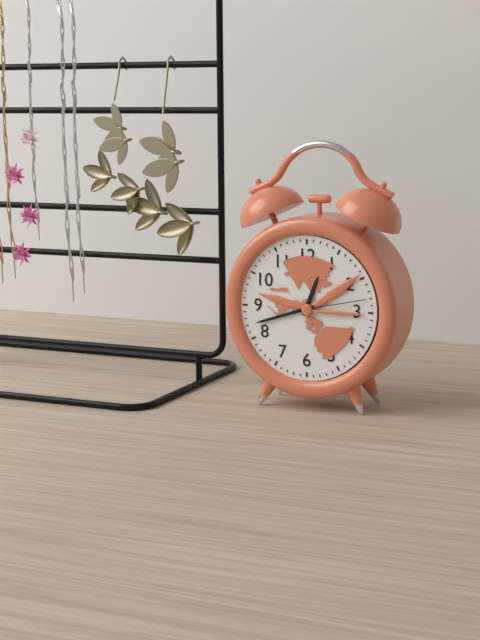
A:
h=12 m=42 s=13
